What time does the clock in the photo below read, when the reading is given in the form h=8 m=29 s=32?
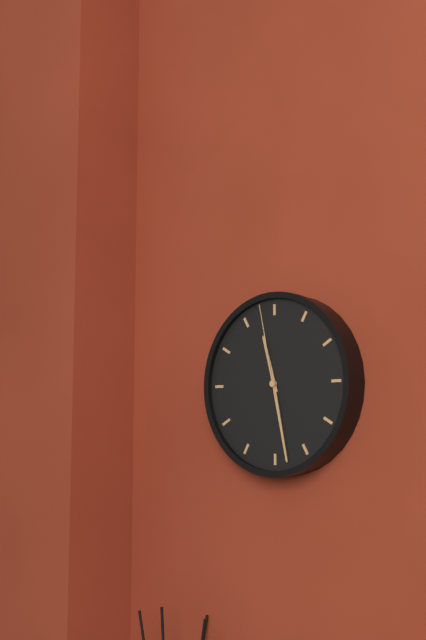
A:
h=11 m=28 s=58
